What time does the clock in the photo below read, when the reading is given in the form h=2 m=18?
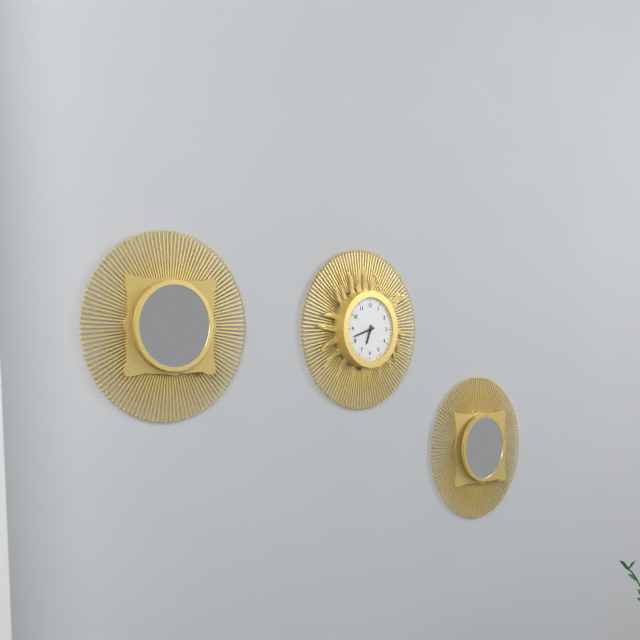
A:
h=6 m=42
